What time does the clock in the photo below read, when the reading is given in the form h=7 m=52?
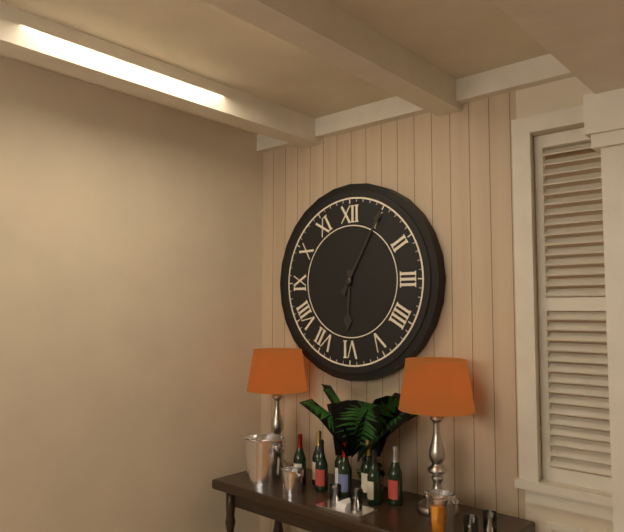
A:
h=6 m=5
